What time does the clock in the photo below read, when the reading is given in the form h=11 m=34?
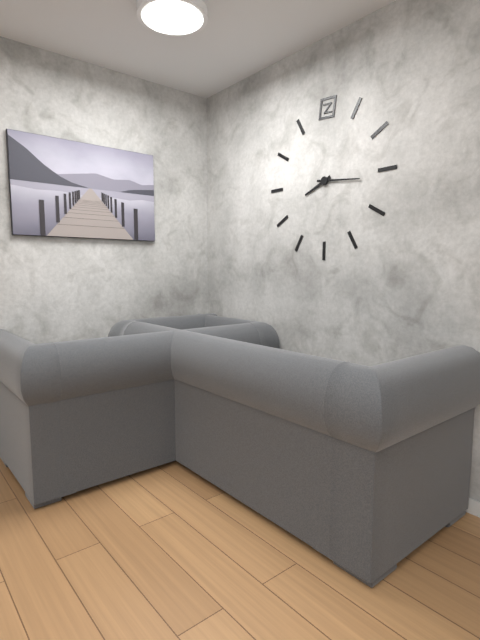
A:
h=8 m=16
